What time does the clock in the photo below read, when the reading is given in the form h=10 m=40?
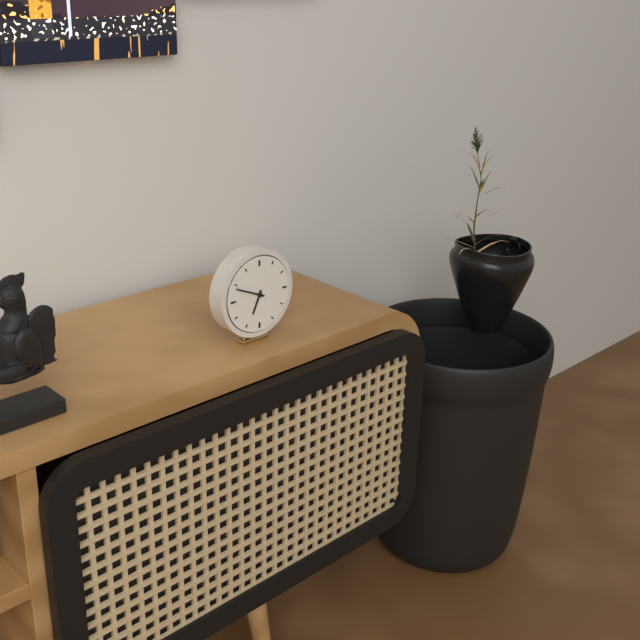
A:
h=6 m=49
